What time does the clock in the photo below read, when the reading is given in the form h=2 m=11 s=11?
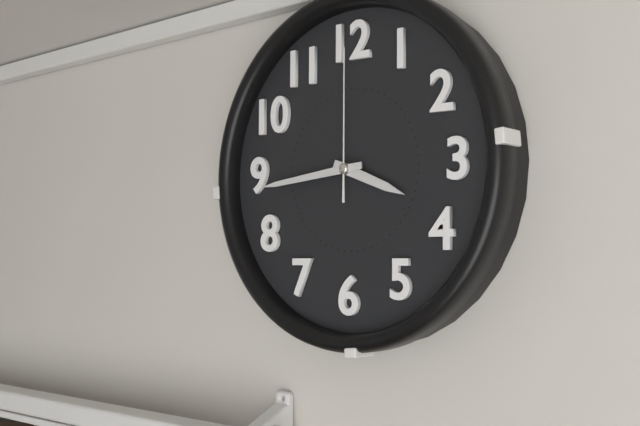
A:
h=3 m=44 s=0
